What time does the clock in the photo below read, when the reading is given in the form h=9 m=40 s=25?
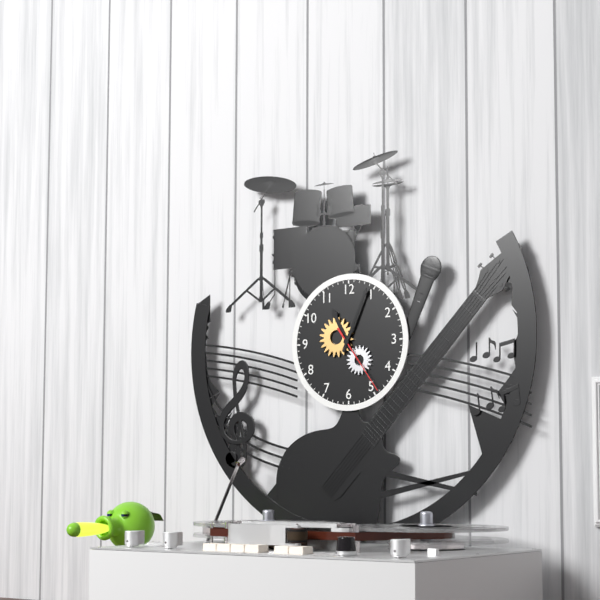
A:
h=11 m=4 s=24
